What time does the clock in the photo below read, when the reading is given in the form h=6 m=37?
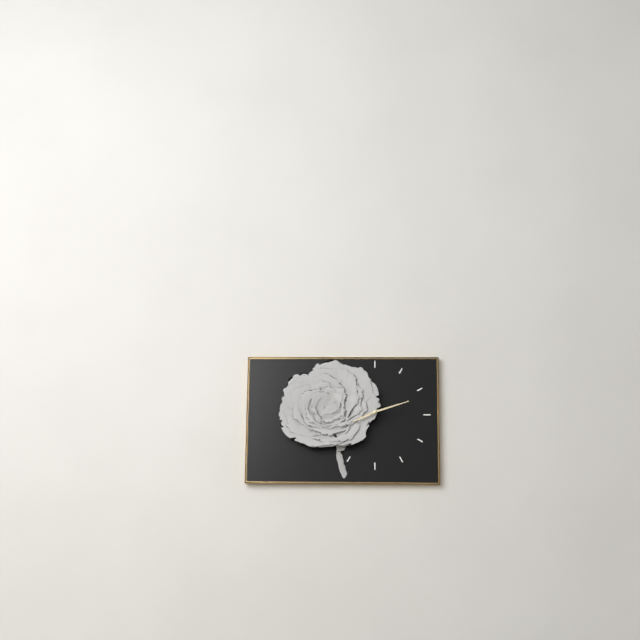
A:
h=8 m=12
